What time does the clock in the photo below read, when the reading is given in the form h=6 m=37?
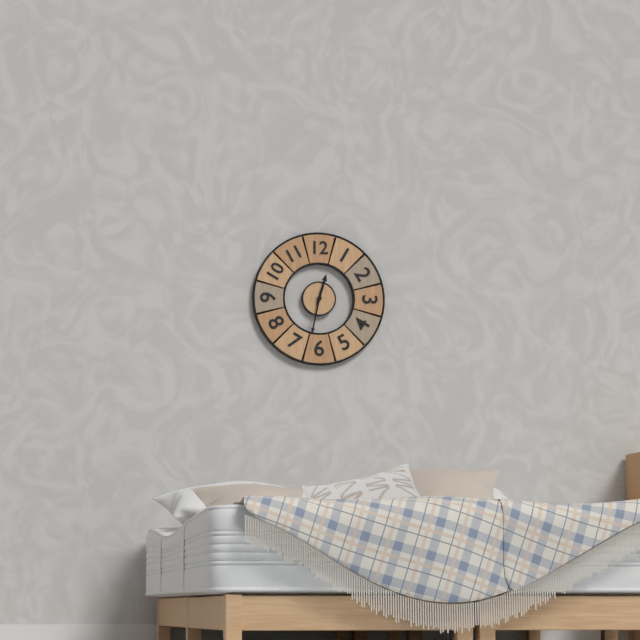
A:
h=12 m=32
